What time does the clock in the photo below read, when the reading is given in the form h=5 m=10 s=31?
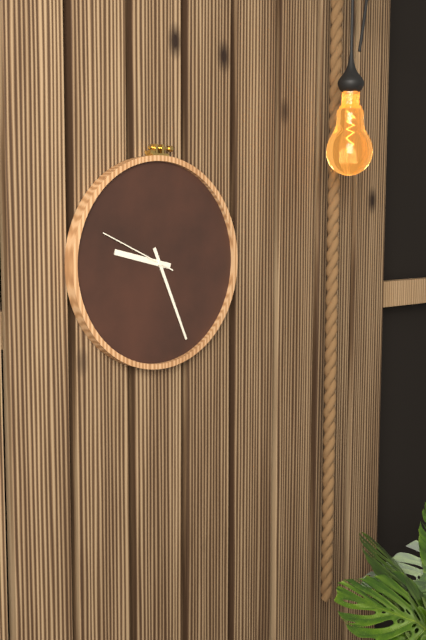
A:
h=9 m=26 s=49
